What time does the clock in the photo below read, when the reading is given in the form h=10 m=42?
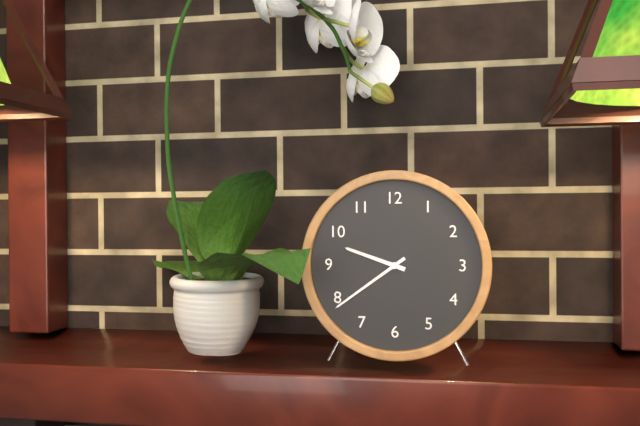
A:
h=9 m=39
